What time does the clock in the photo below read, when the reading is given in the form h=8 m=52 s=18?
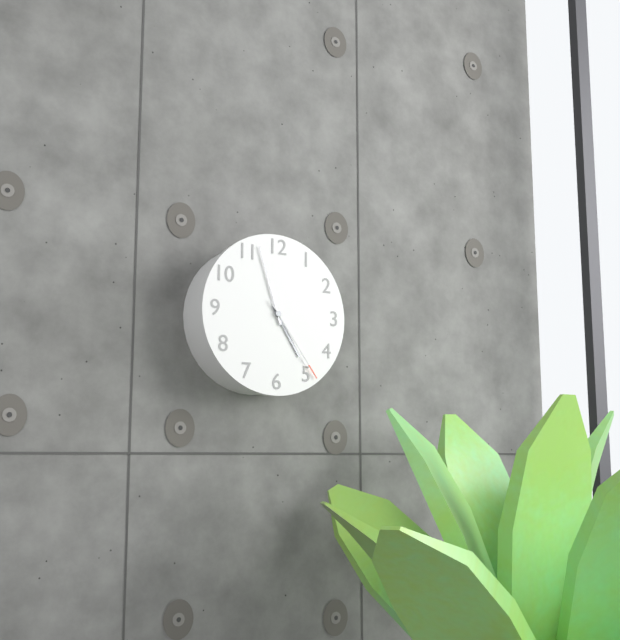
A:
h=4 m=57 s=24
